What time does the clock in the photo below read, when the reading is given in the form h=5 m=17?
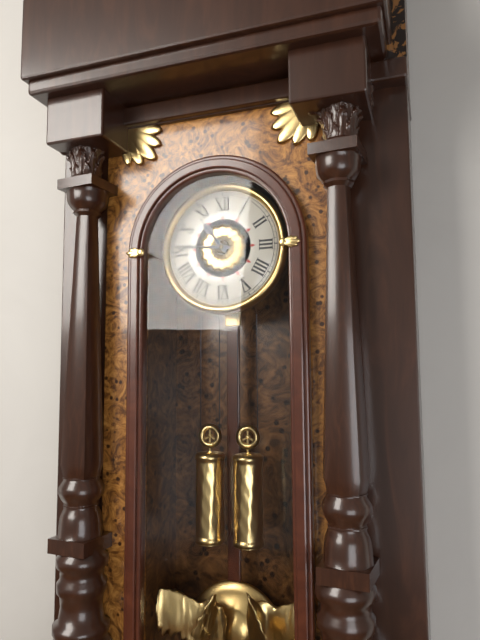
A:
h=10 m=46
